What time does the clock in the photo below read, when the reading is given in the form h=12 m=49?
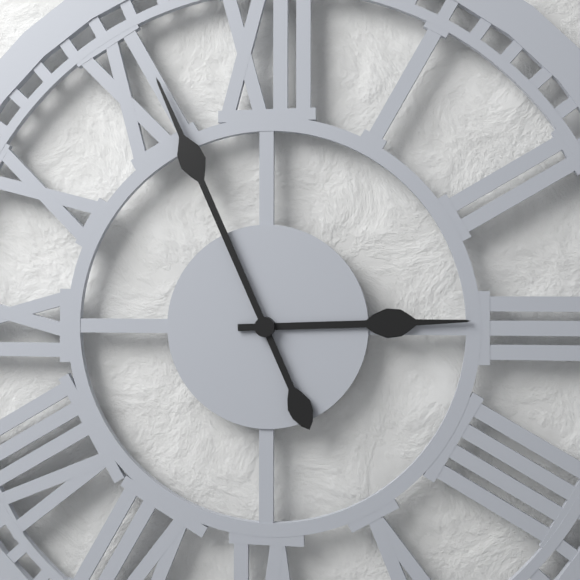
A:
h=2 m=56
